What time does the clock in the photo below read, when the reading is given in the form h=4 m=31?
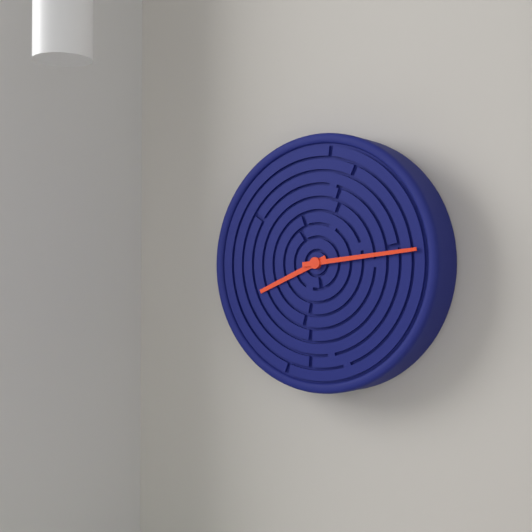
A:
h=8 m=14
